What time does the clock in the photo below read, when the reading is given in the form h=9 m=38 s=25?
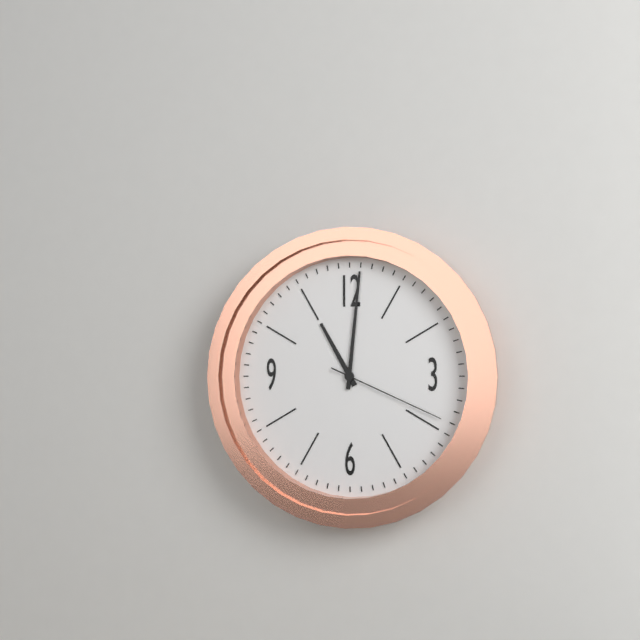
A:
h=11 m=1 s=19
